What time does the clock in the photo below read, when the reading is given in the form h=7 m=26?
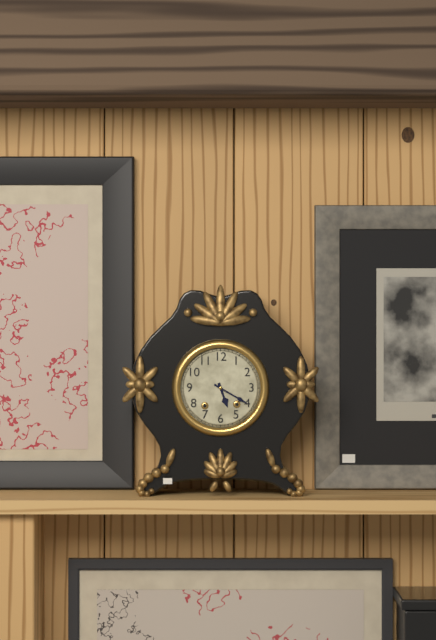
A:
h=5 m=20
